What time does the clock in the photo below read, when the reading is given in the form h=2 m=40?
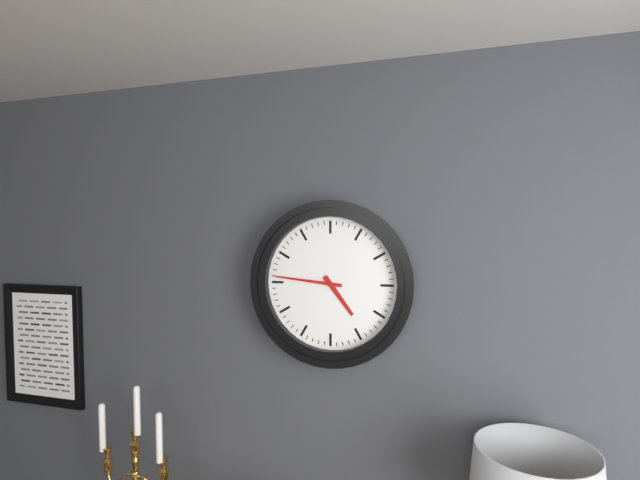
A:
h=4 m=46
